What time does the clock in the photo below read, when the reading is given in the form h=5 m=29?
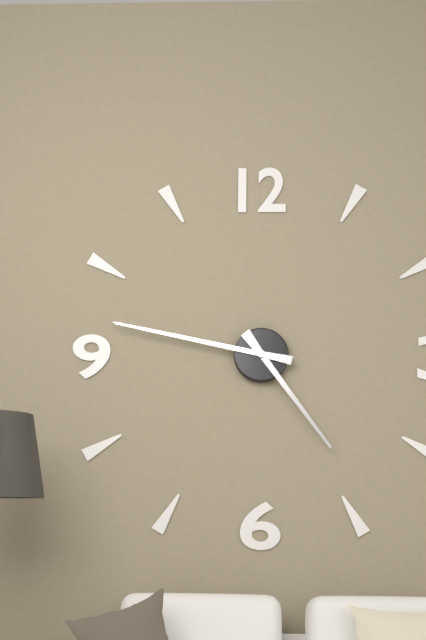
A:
h=4 m=47
